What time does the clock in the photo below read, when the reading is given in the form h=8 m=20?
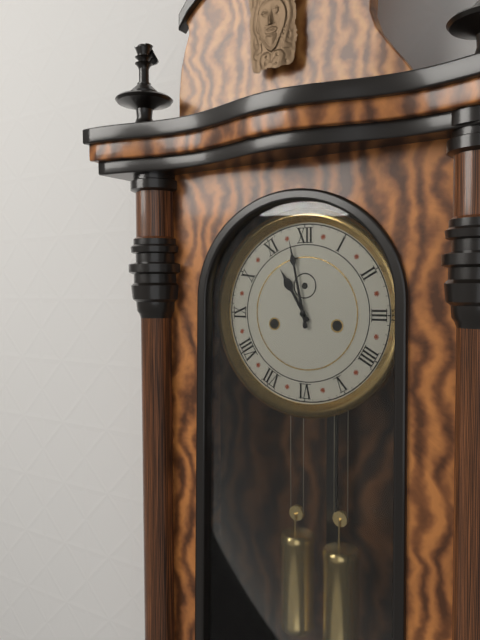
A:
h=10 m=58
